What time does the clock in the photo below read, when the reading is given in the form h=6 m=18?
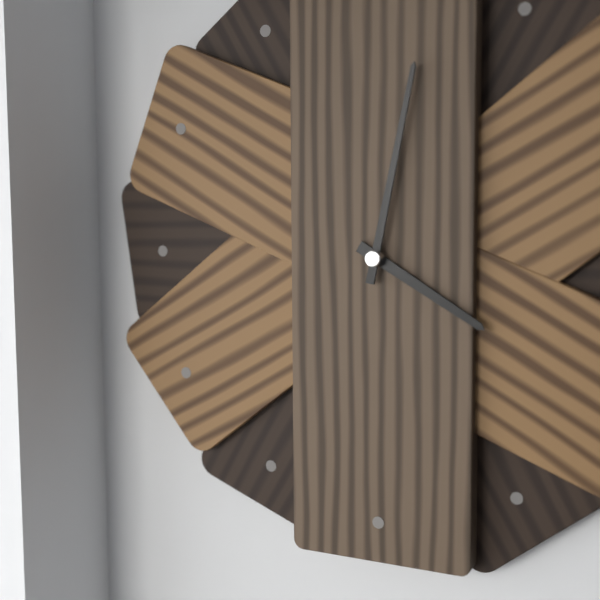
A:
h=4 m=2
